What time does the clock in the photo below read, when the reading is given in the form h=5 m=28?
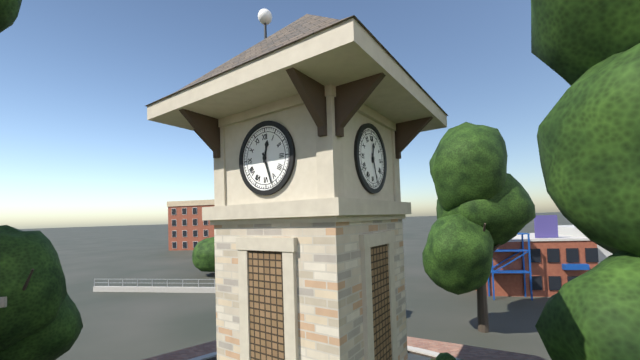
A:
h=12 m=27
